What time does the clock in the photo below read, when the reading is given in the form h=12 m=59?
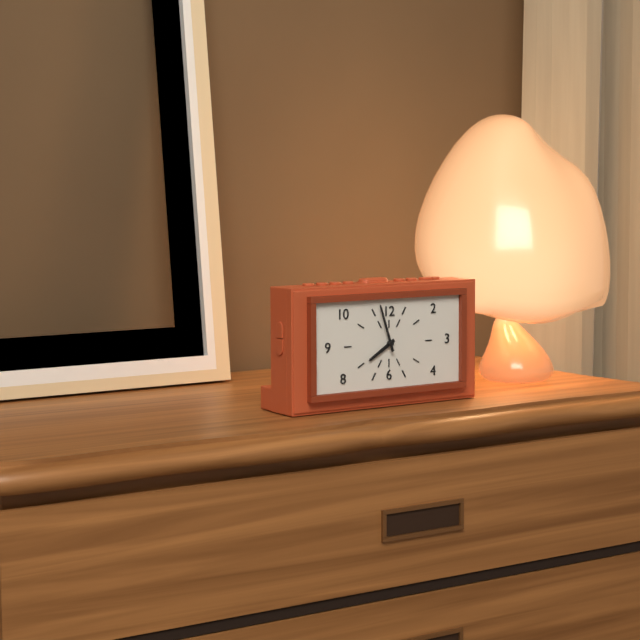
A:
h=7 m=57
